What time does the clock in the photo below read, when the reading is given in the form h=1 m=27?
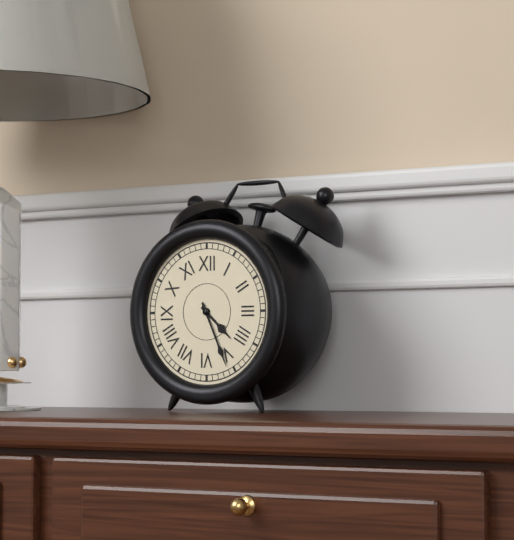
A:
h=4 m=26
